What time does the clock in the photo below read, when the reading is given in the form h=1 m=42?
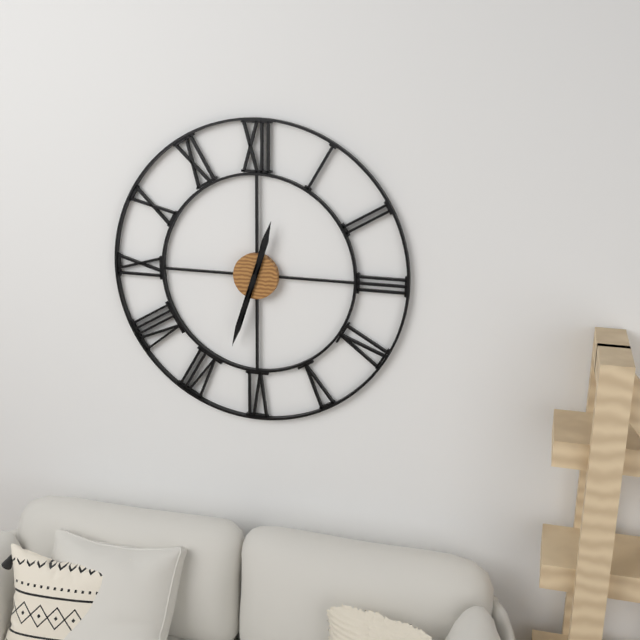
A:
h=12 m=33
